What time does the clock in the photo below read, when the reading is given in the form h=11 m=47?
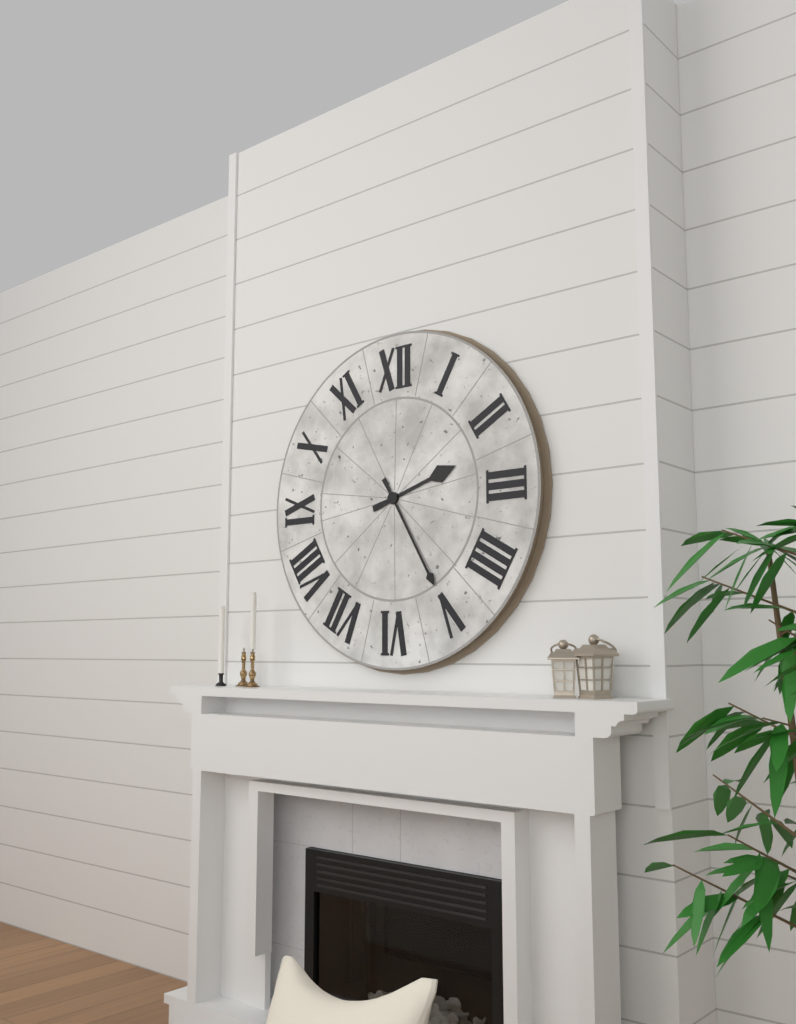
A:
h=2 m=25
